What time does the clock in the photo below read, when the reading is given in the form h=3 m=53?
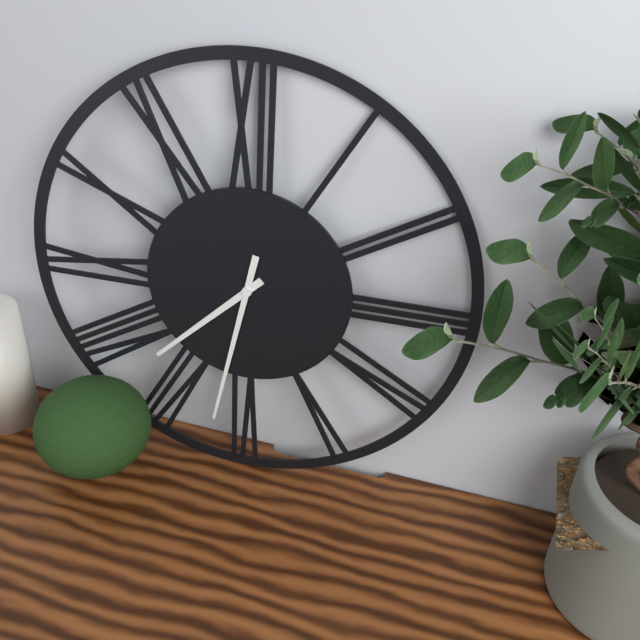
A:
h=7 m=32
